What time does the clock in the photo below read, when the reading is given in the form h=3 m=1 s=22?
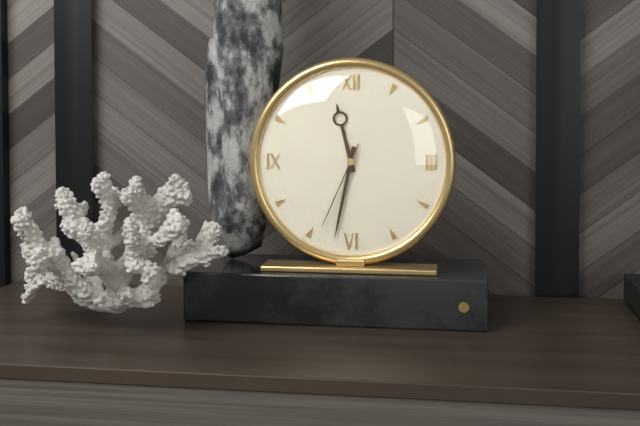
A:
h=11 m=32 s=34
